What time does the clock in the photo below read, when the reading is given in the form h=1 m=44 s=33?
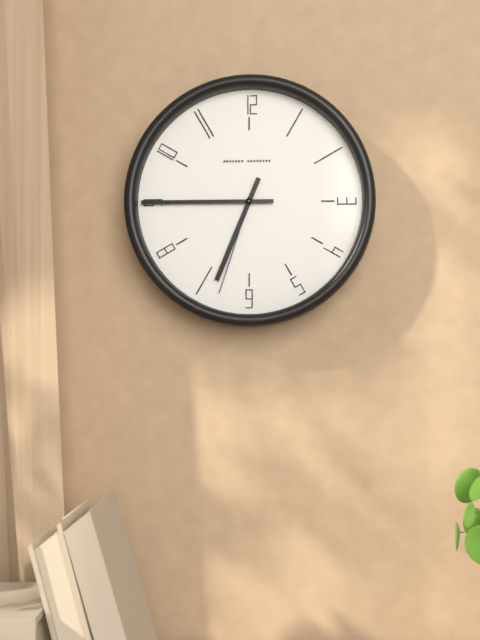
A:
h=6 m=45 s=33
